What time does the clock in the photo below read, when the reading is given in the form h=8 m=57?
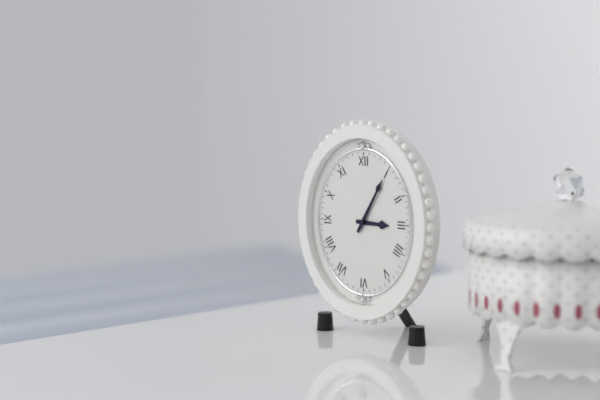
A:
h=3 m=5
